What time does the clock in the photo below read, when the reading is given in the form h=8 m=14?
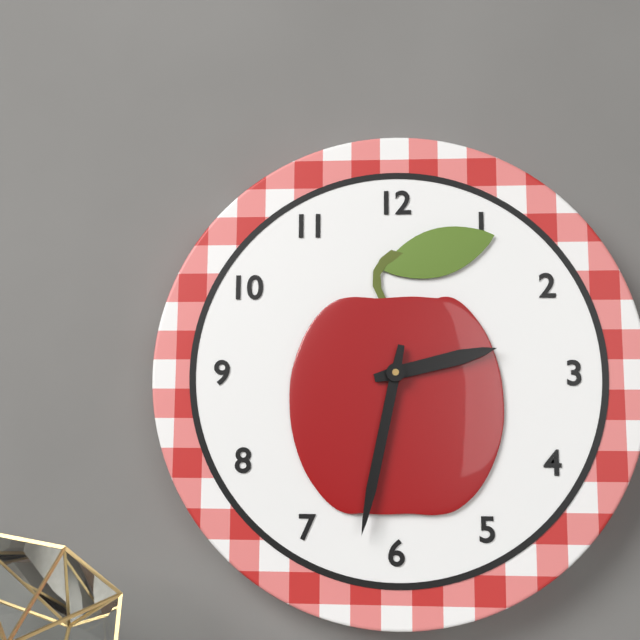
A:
h=2 m=32
